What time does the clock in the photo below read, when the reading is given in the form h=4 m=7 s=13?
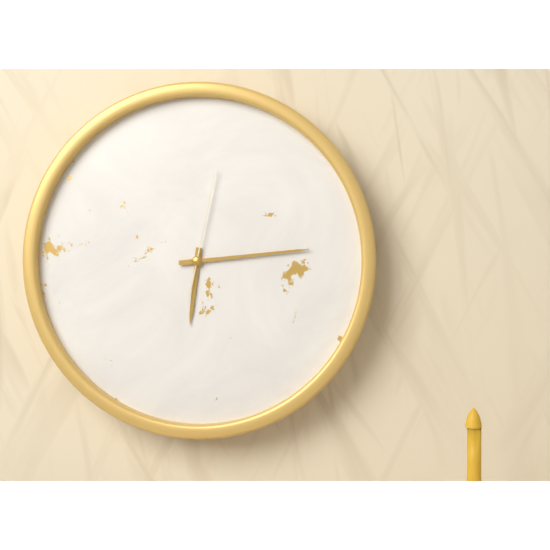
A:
h=6 m=14 s=2
